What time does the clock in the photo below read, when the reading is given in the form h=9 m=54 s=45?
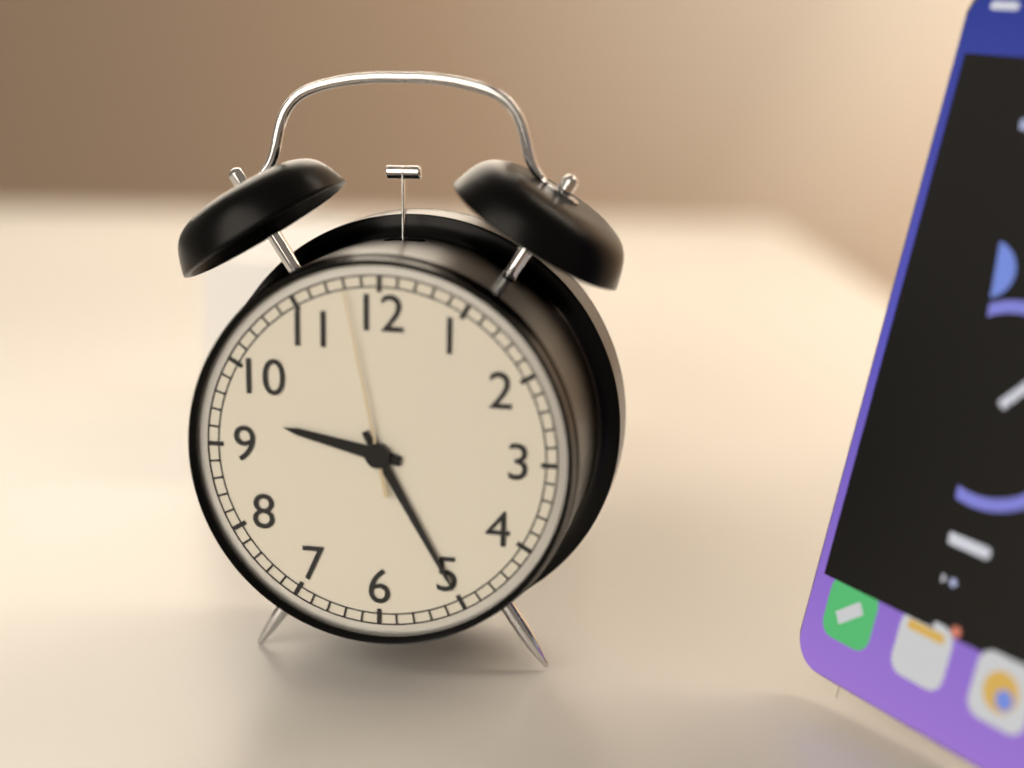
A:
h=9 m=25 s=58
